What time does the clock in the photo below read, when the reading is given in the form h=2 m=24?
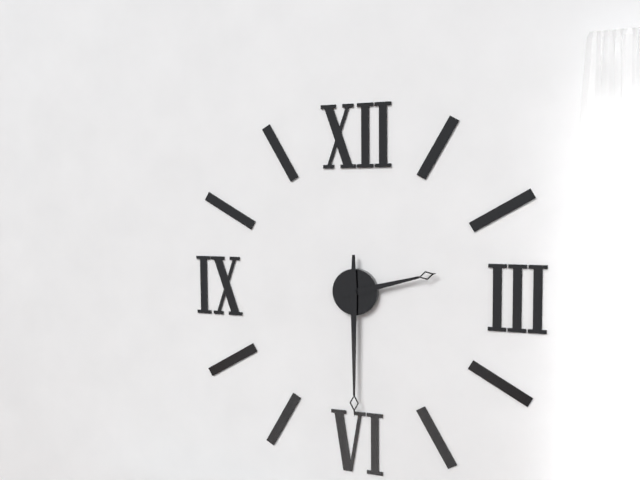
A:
h=2 m=30
